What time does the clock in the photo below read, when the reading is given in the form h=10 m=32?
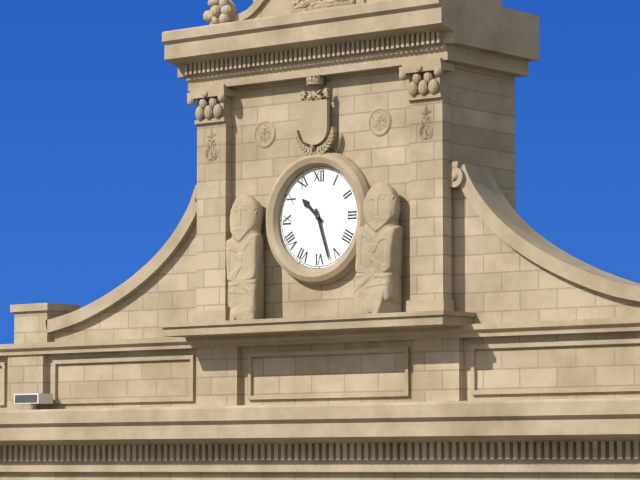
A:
h=10 m=27
